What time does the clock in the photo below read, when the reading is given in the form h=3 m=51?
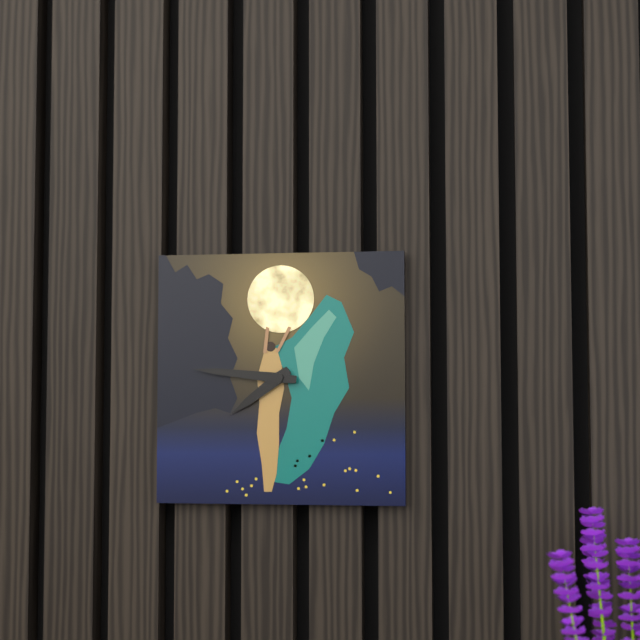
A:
h=7 m=46
